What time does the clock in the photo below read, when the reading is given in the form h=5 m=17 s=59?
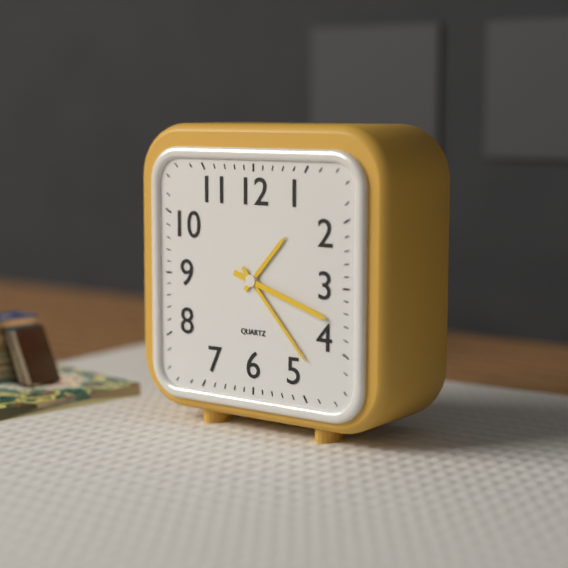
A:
h=1 m=23 s=18
